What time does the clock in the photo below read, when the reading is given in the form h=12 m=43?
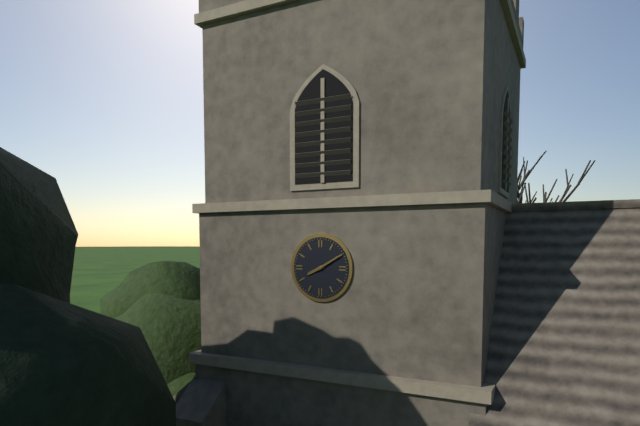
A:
h=8 m=10
